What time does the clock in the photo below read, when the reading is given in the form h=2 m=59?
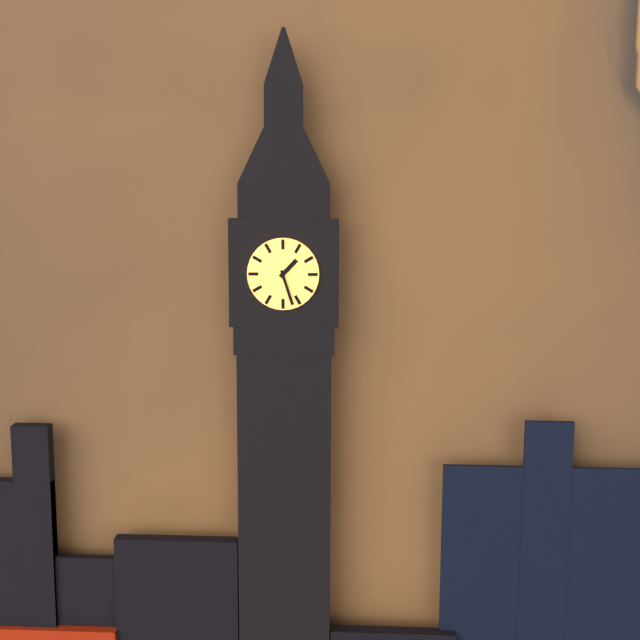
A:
h=1 m=27
